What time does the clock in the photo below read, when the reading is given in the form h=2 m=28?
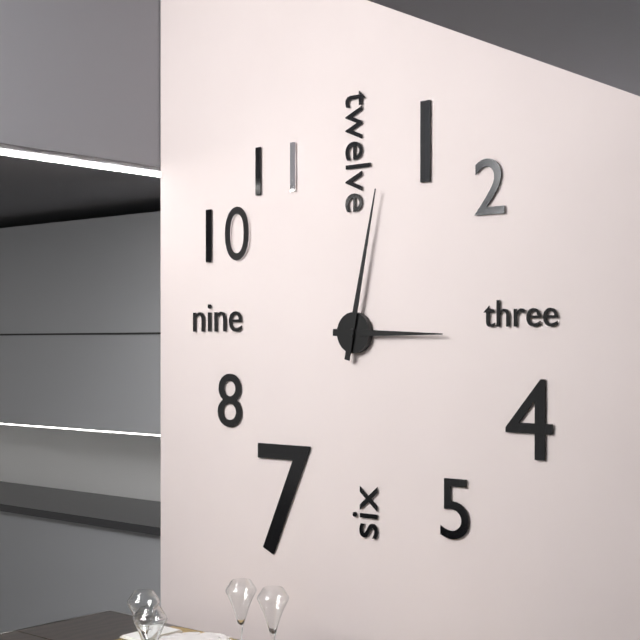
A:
h=3 m=2
